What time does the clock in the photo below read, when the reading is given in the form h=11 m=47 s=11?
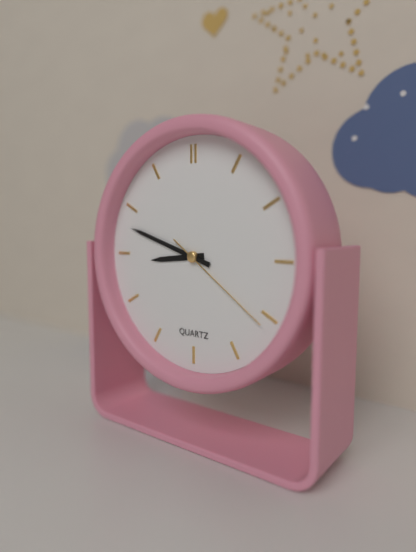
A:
h=8 m=48 s=21
